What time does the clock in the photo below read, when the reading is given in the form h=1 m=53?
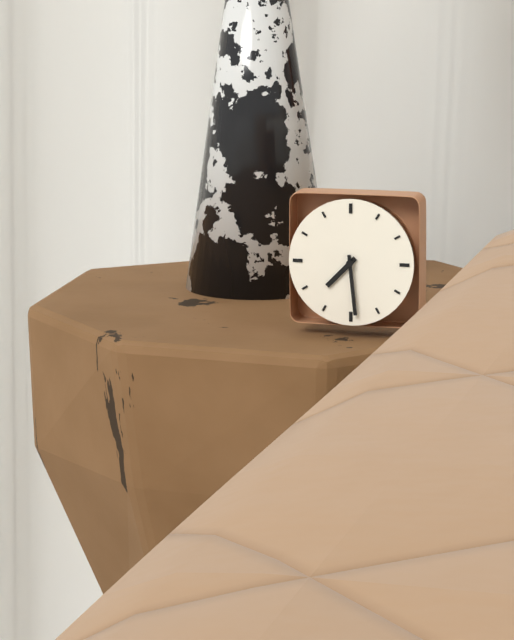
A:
h=7 m=29
